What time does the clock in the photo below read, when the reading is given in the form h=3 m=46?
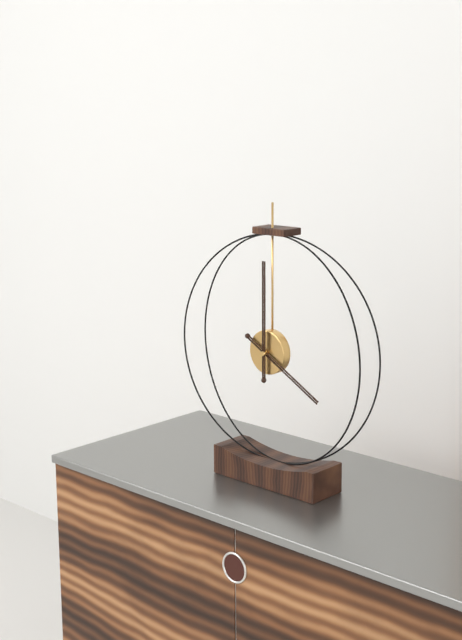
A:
h=4 m=0
